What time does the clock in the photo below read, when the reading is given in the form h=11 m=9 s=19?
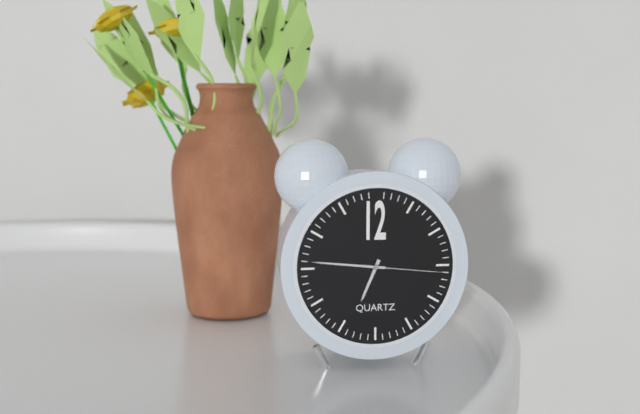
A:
h=6 m=46 s=16
